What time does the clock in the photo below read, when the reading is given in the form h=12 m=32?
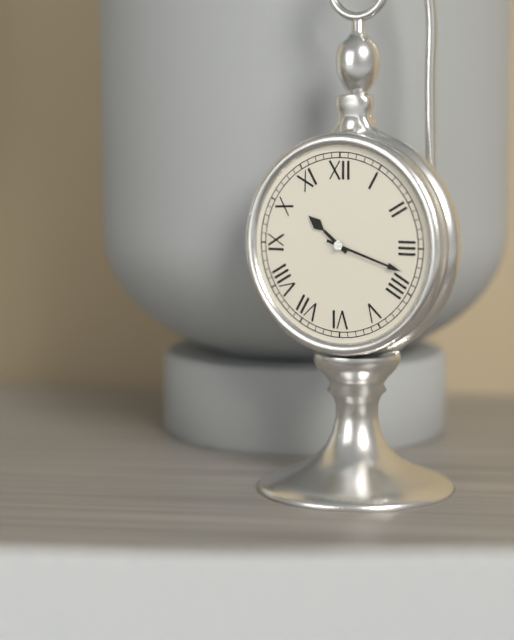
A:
h=10 m=18
